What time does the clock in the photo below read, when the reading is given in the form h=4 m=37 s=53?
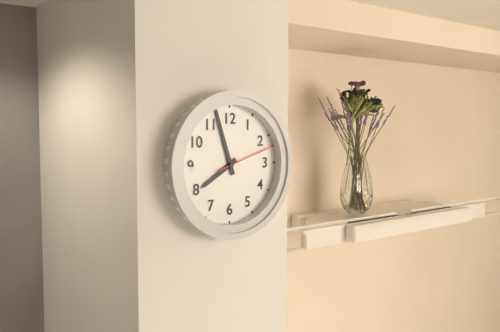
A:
h=7 m=57 s=12
